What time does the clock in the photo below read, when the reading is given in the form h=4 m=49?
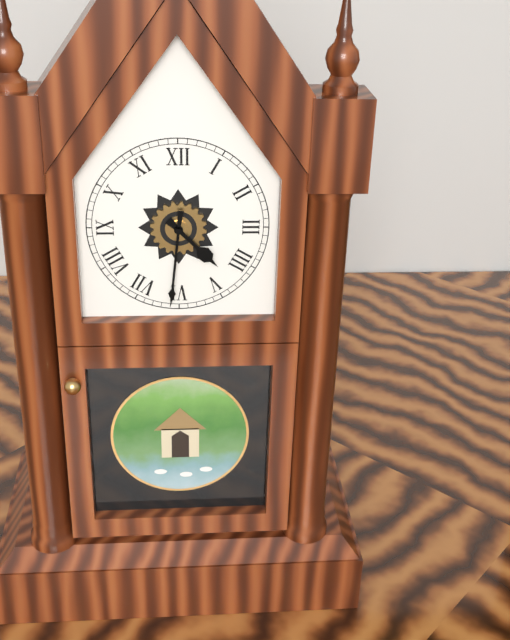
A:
h=4 m=31
